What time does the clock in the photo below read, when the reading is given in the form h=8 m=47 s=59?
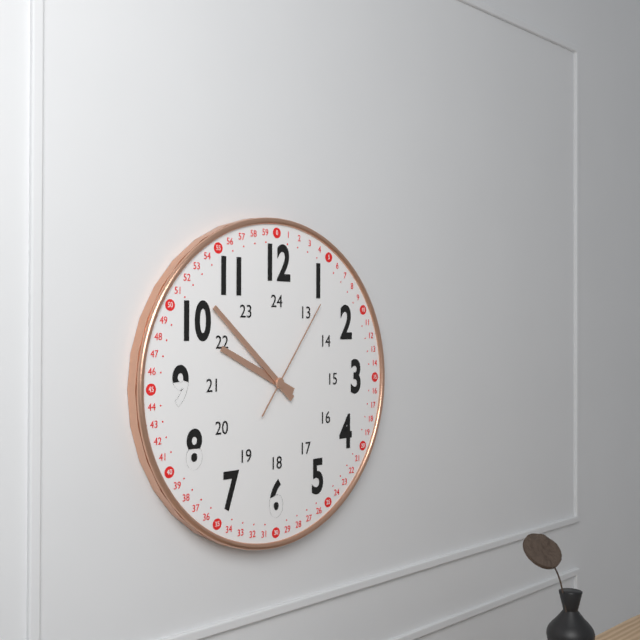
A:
h=9 m=52 s=6
